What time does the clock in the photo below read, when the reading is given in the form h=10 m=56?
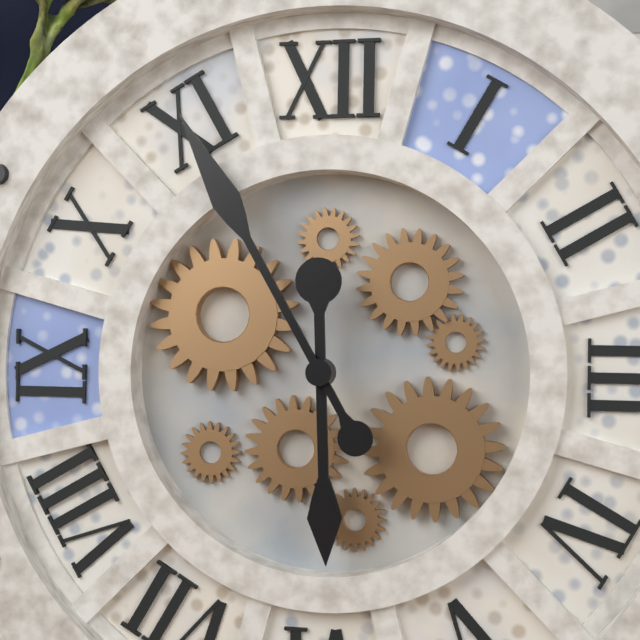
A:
h=5 m=55
